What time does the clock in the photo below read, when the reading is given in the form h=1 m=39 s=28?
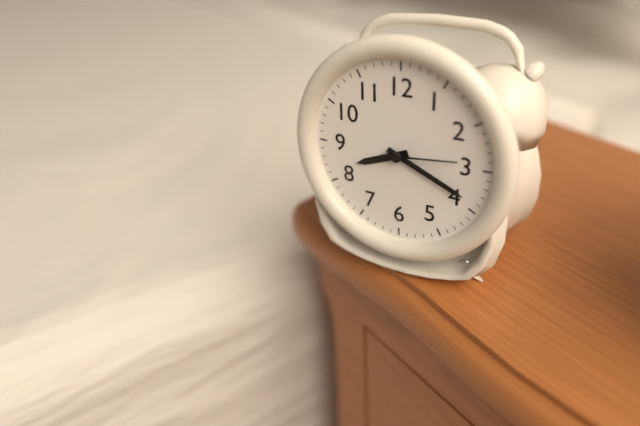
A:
h=8 m=19 s=14
